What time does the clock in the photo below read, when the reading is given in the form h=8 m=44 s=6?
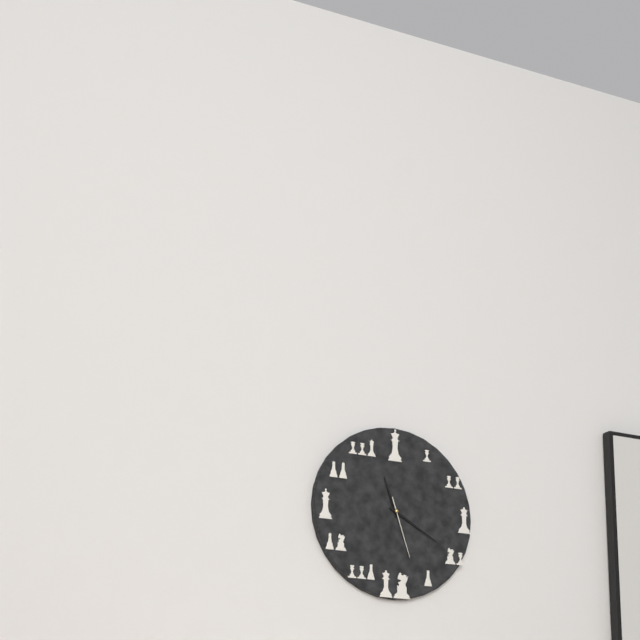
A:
h=11 m=20 s=27
